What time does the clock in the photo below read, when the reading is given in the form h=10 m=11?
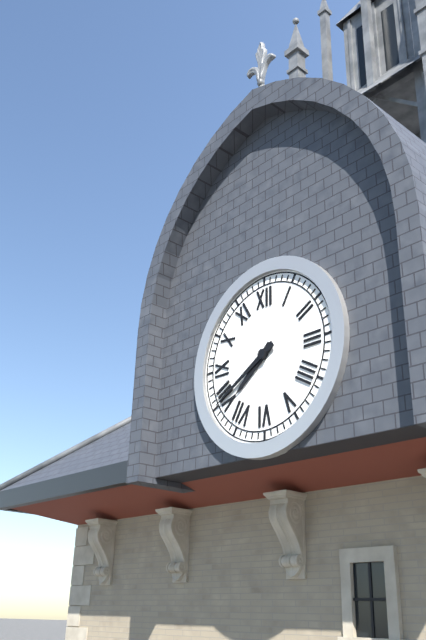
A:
h=7 m=40
